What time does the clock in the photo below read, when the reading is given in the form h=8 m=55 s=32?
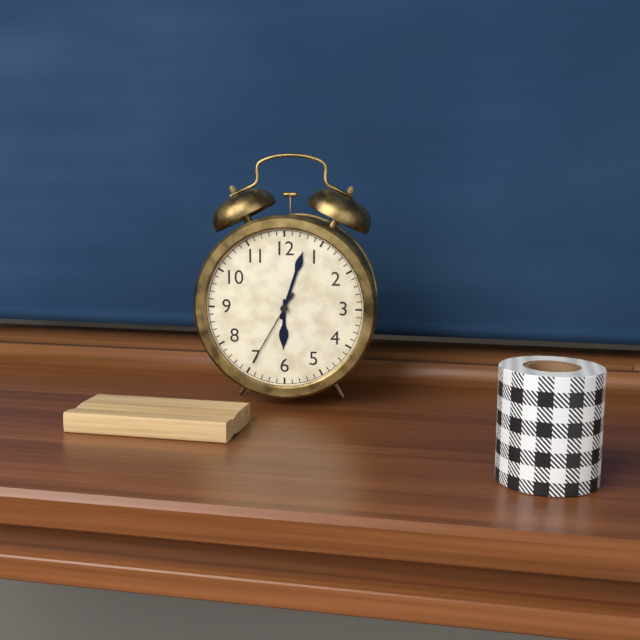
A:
h=6 m=3 s=35
